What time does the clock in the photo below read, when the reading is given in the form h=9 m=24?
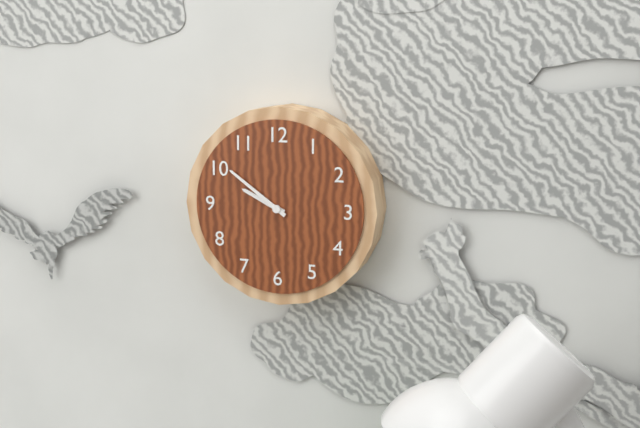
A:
h=9 m=51
